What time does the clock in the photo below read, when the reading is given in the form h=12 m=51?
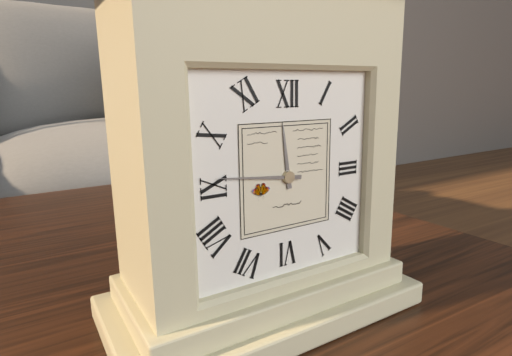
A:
h=11 m=46
